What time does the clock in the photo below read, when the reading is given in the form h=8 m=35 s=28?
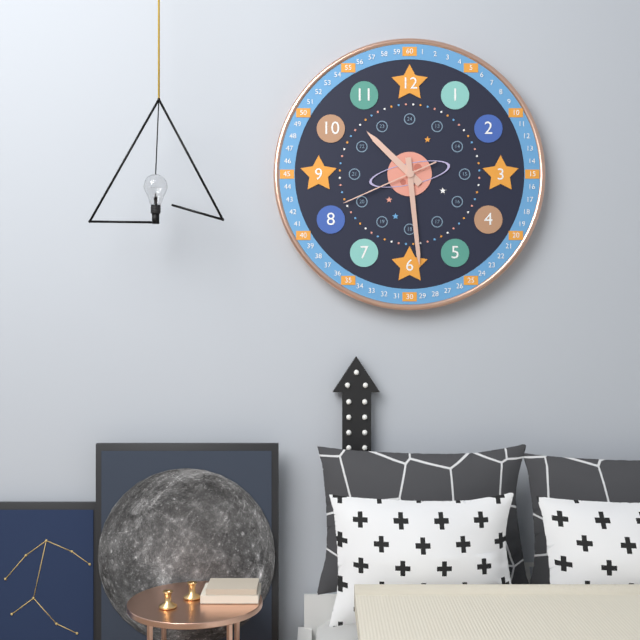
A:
h=10 m=29 s=41
